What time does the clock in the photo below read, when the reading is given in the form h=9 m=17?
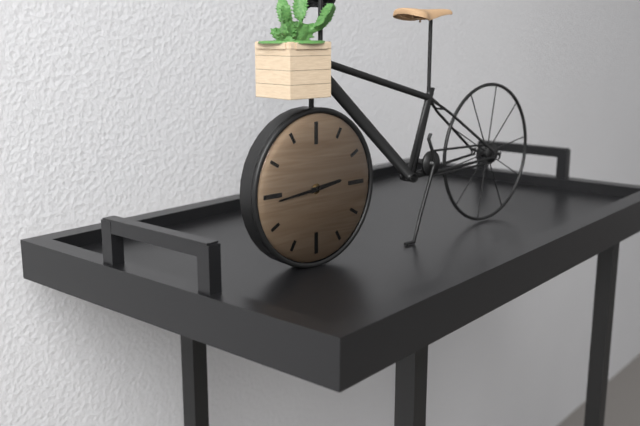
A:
h=2 m=44
